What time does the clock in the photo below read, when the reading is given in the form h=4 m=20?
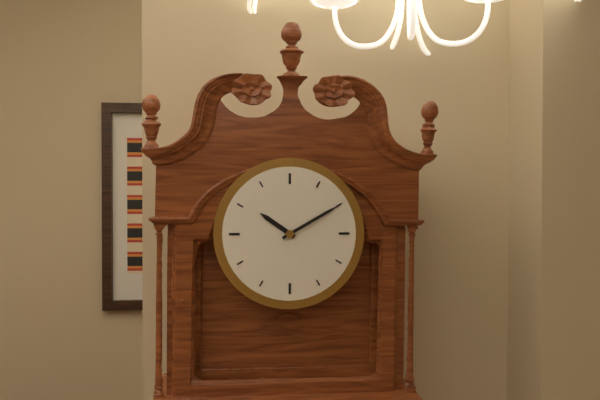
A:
h=10 m=10
